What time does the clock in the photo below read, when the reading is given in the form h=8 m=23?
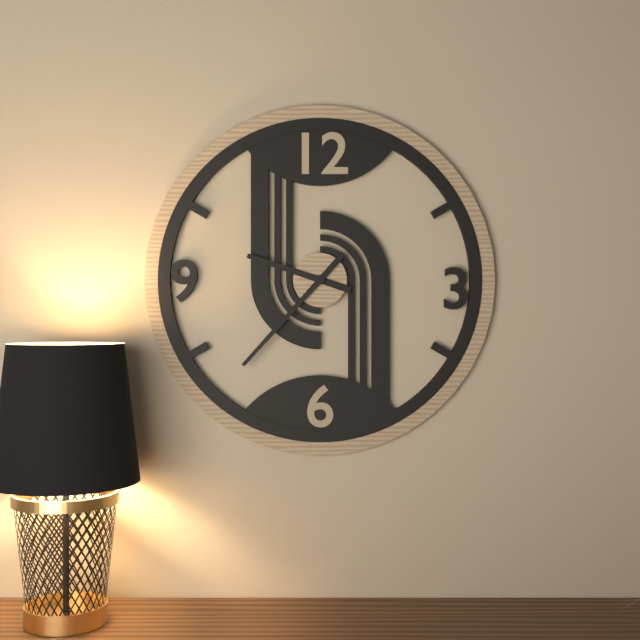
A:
h=9 m=37
